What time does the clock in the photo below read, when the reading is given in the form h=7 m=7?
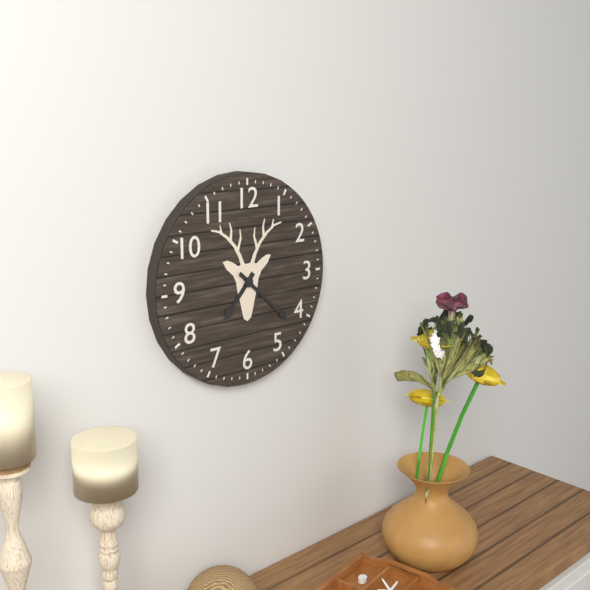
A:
h=7 m=22
